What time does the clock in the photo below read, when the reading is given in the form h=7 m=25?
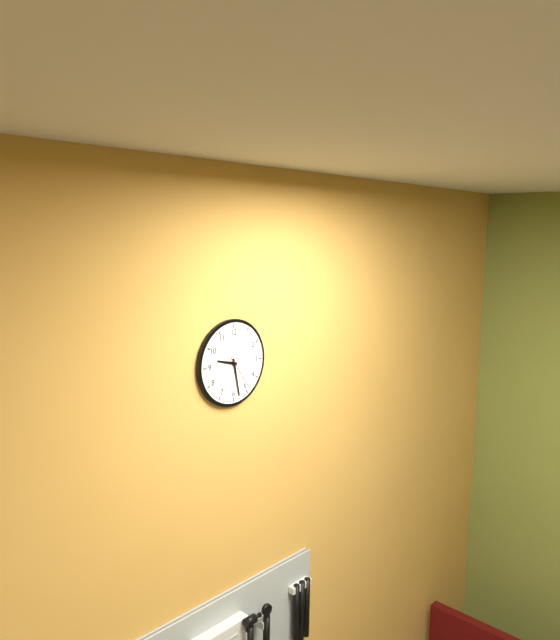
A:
h=9 m=28
